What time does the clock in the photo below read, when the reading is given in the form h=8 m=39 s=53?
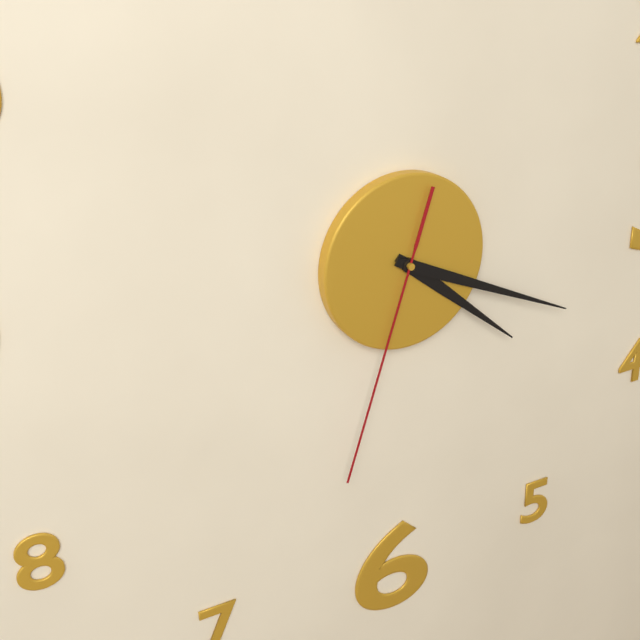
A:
h=4 m=19 s=33
